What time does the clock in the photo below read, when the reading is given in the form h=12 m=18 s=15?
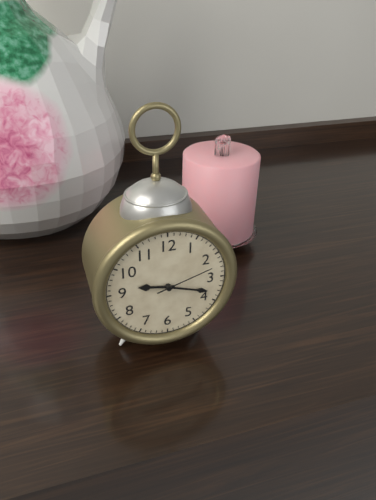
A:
h=9 m=18 s=12
